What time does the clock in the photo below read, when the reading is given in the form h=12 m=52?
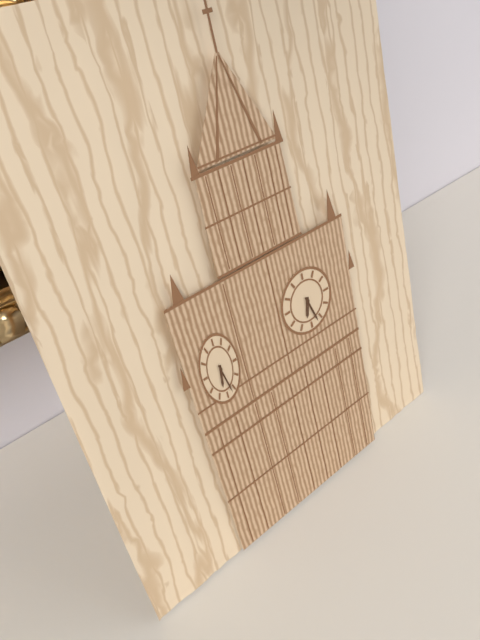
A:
h=6 m=27
